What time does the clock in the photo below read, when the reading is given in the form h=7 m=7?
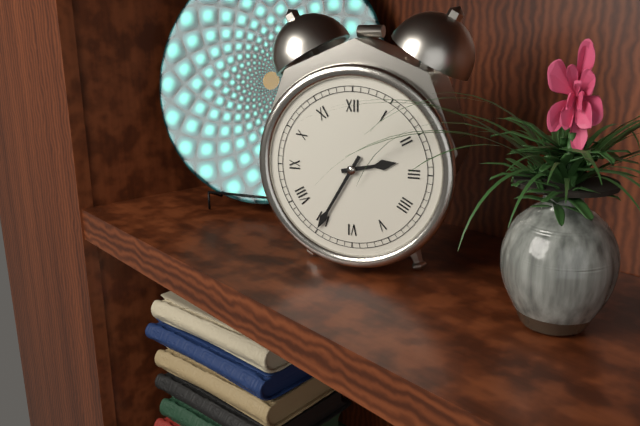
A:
h=2 m=35
